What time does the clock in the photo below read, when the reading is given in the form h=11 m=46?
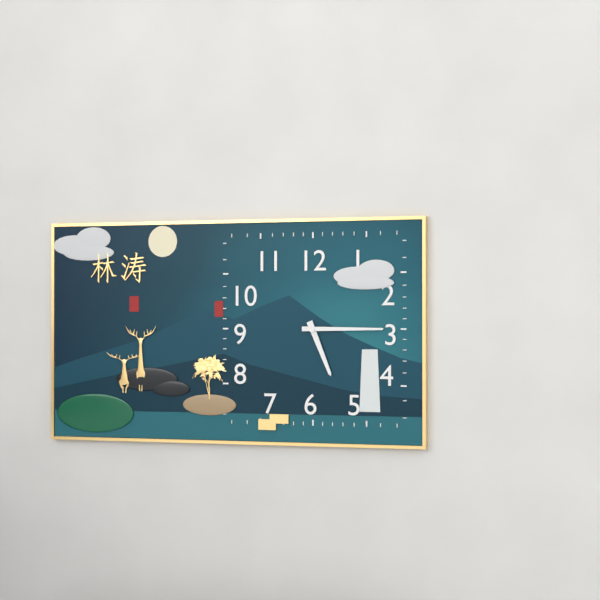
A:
h=5 m=15
